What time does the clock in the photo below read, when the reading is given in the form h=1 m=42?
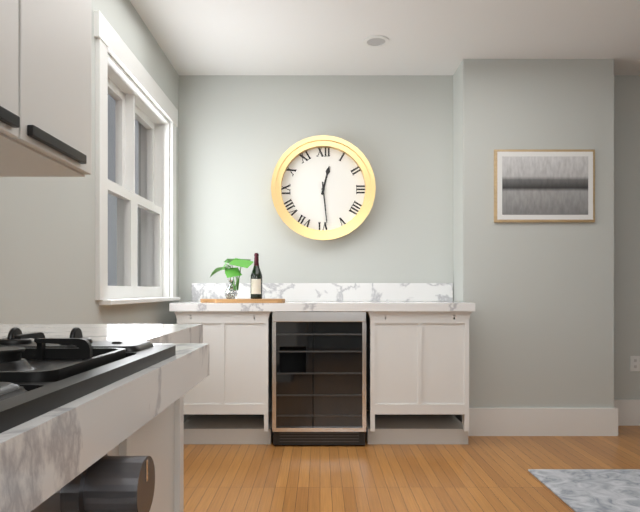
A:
h=12 m=29
